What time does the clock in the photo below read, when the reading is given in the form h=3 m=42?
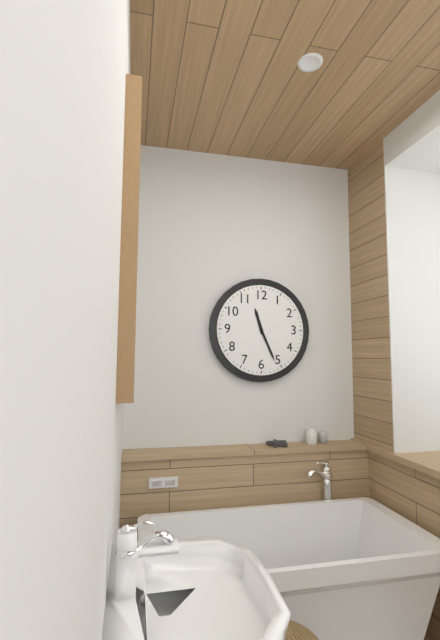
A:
h=11 m=26
